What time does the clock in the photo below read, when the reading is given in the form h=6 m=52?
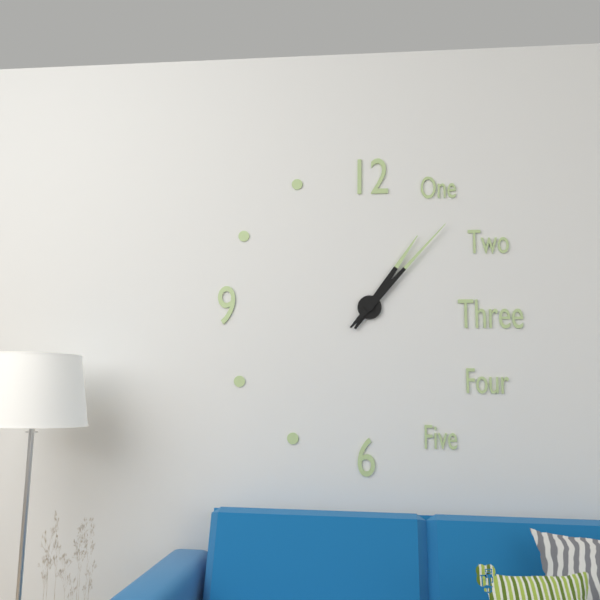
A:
h=1 m=7
